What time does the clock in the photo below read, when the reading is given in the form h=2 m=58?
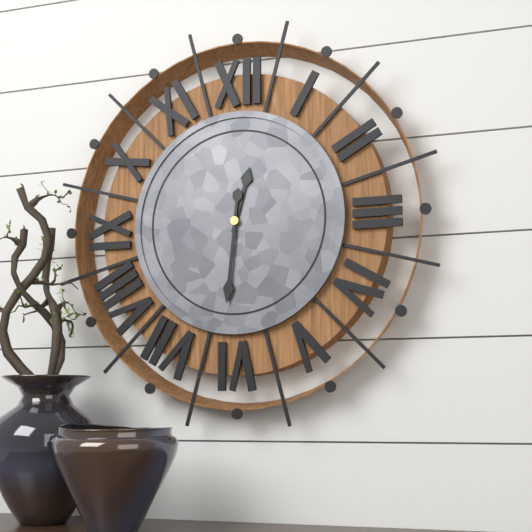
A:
h=12 m=31
